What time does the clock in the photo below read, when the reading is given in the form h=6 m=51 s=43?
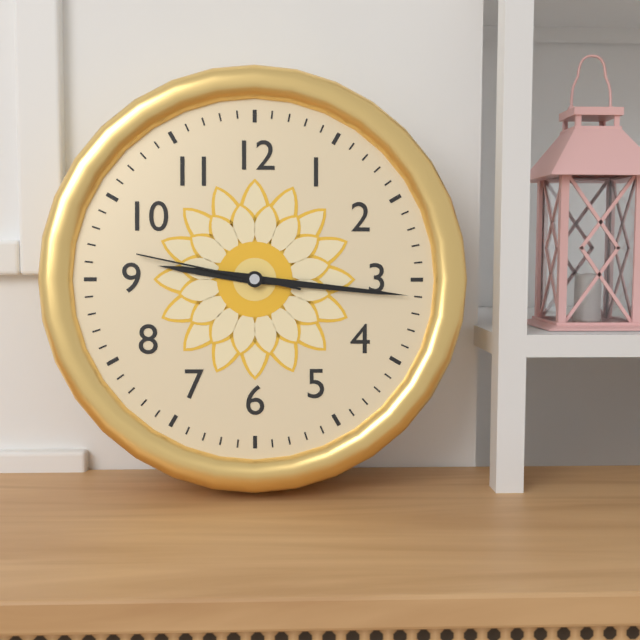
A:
h=9 m=16 s=47
